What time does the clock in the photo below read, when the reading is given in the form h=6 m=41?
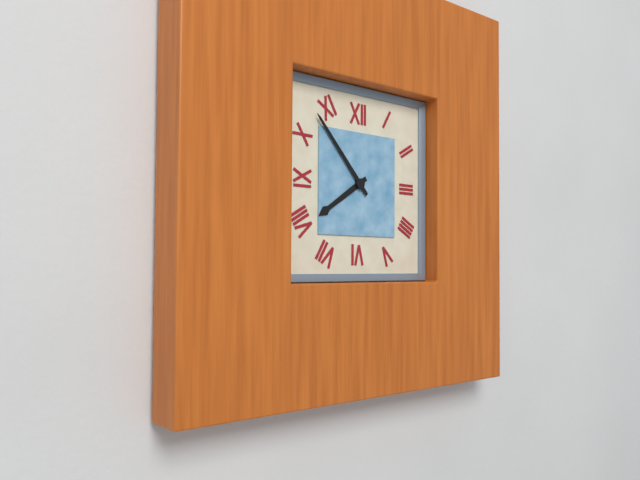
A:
h=7 m=53
